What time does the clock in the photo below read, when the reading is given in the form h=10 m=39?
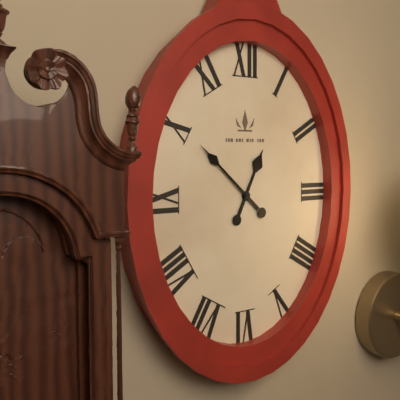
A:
h=12 m=52
